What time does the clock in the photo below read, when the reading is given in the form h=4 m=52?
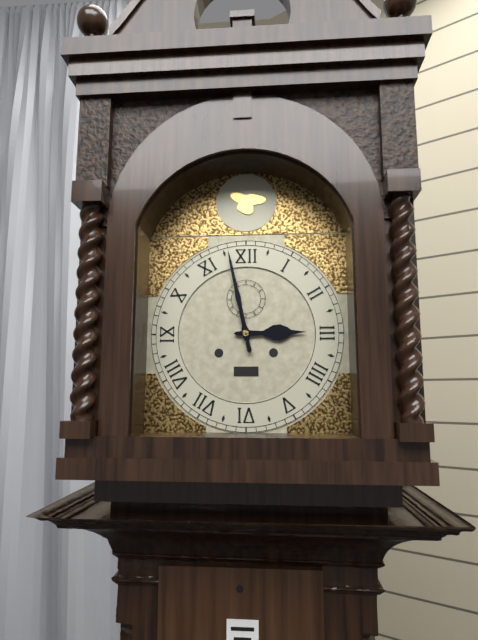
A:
h=2 m=58
